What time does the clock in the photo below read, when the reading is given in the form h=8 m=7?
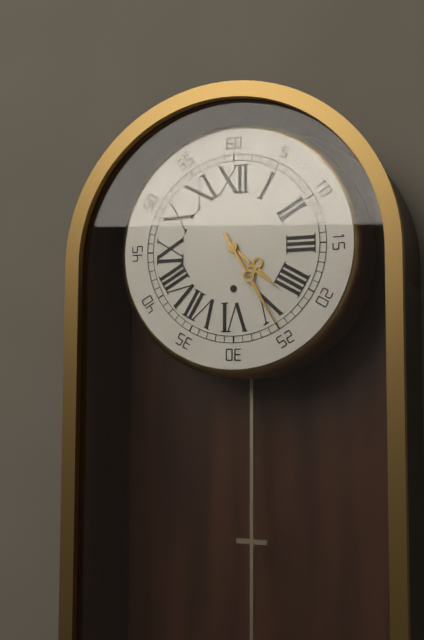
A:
h=4 m=25
